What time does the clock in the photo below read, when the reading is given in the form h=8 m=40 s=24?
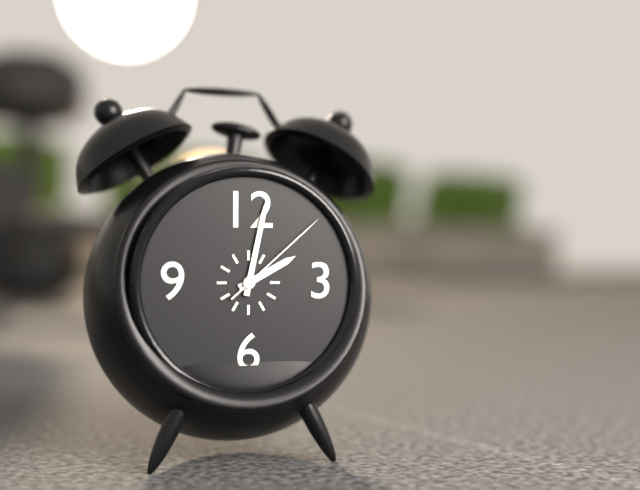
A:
h=2 m=2 s=8
